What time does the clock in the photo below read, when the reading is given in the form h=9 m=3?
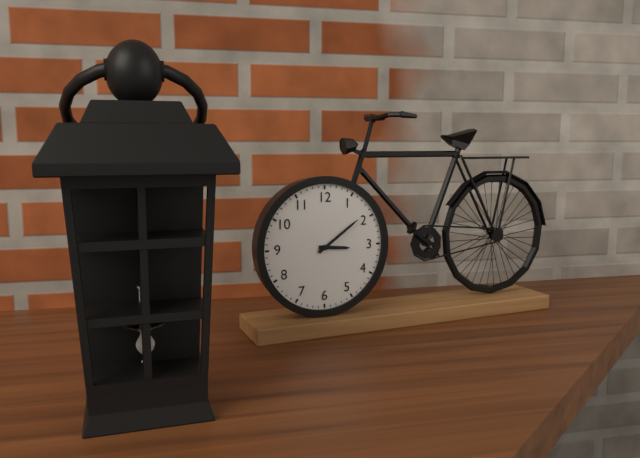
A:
h=3 m=9
